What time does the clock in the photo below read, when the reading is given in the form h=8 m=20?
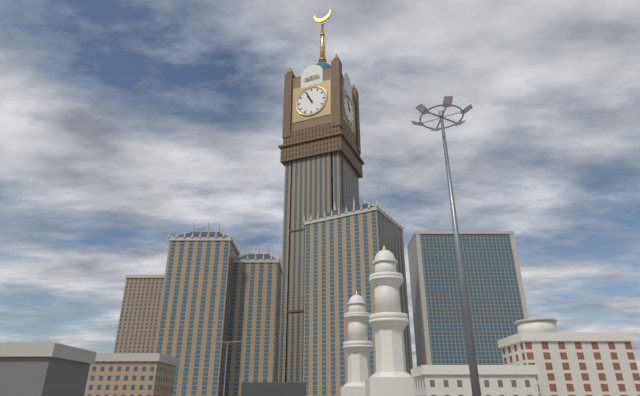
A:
h=10 m=56
